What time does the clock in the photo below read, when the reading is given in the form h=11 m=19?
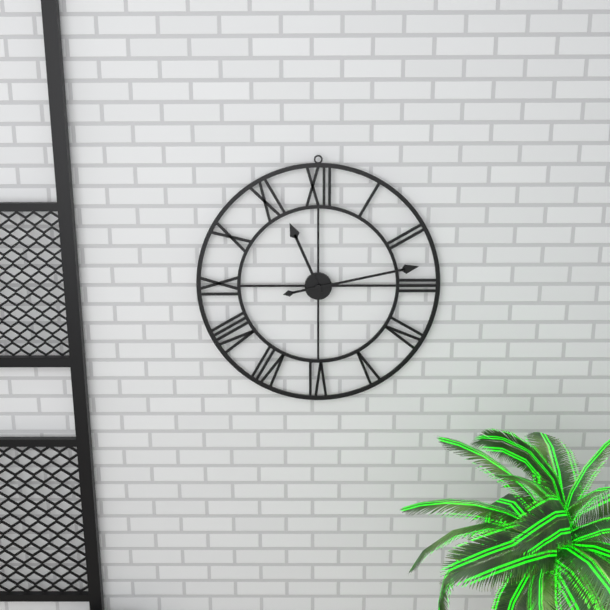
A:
h=11 m=13
